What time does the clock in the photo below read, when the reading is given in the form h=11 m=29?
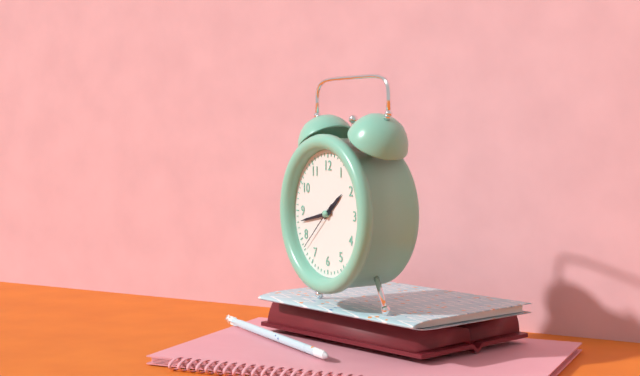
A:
h=1 m=43
